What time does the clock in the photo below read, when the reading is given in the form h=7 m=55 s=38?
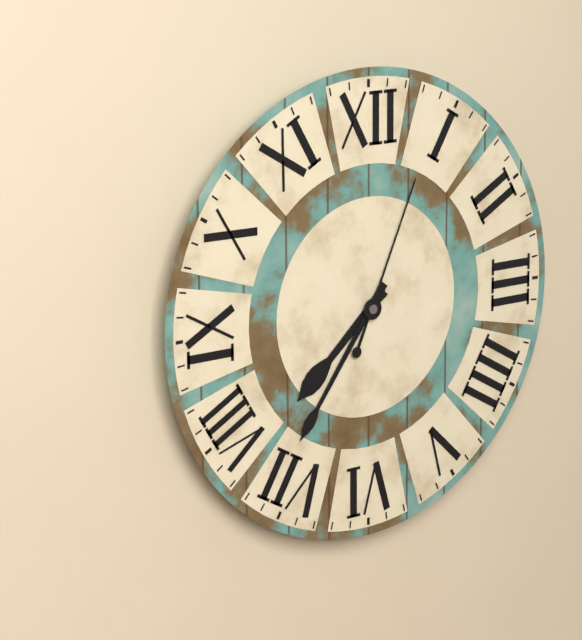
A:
h=7 m=36 s=4
